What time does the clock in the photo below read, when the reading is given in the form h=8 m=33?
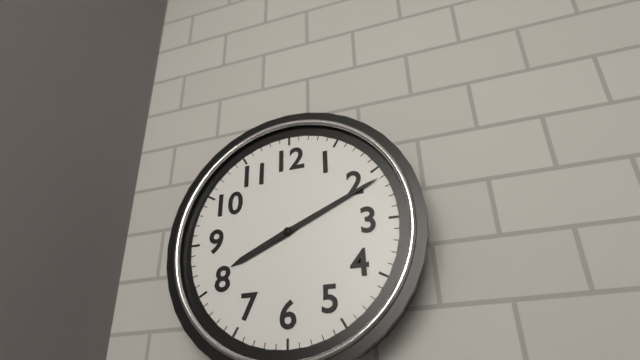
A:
h=8 m=11
